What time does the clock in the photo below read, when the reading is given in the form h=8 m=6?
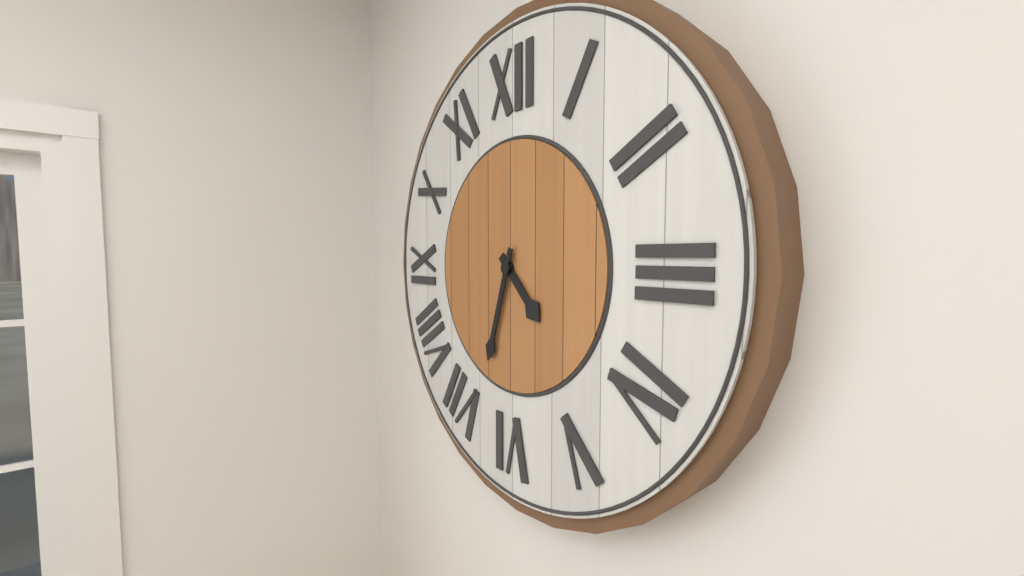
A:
h=4 m=33
